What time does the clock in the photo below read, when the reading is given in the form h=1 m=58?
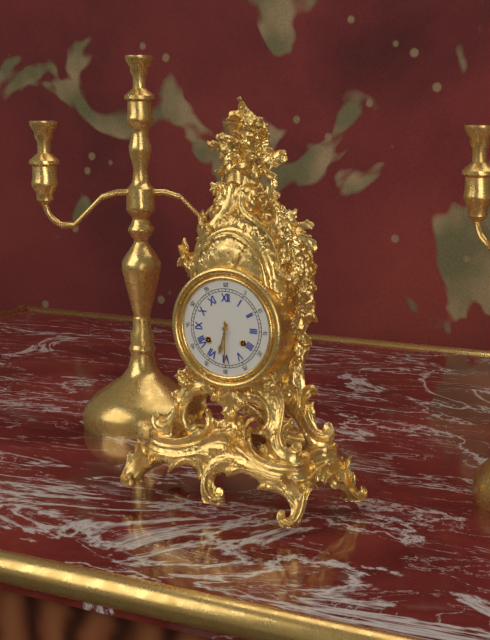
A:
h=6 m=30
